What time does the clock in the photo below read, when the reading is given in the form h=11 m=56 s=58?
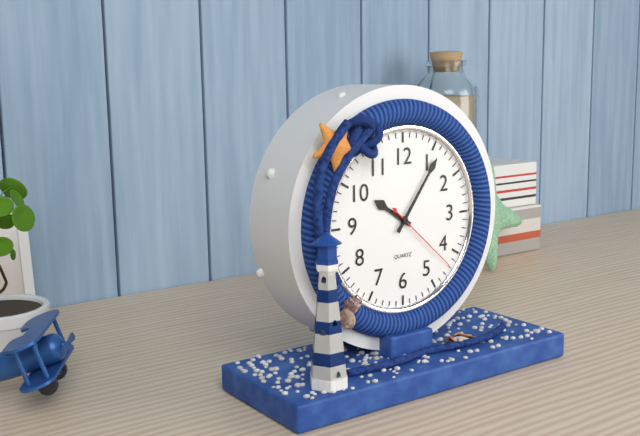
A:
h=10 m=6 s=22
